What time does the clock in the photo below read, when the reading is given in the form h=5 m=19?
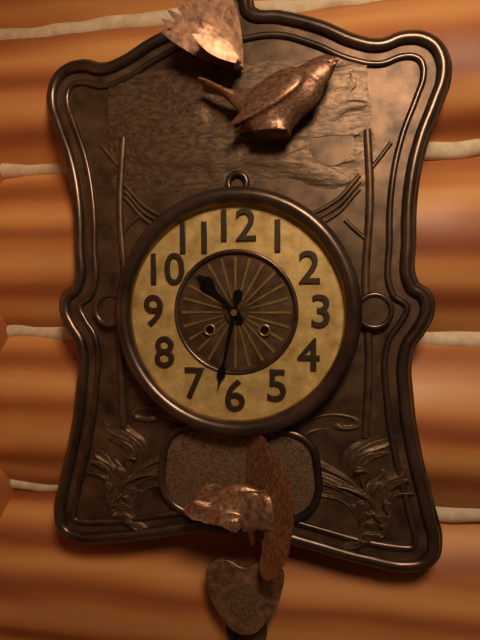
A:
h=10 m=32
